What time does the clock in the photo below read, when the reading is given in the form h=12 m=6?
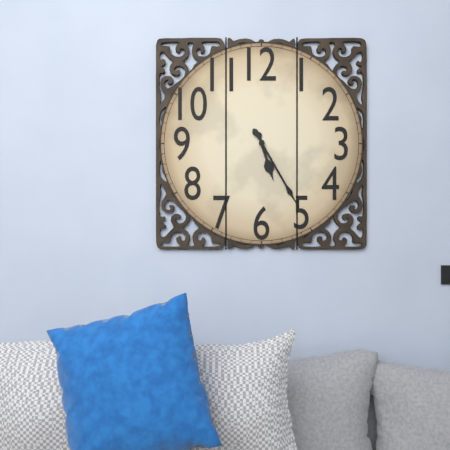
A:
h=5 m=25
